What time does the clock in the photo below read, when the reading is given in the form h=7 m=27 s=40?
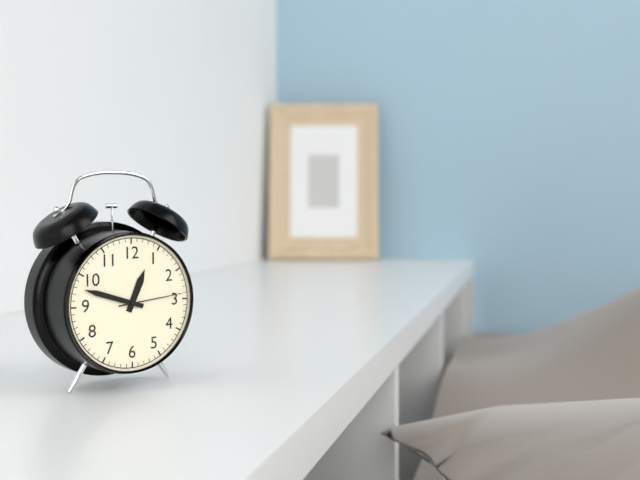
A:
h=12 m=48 s=14
